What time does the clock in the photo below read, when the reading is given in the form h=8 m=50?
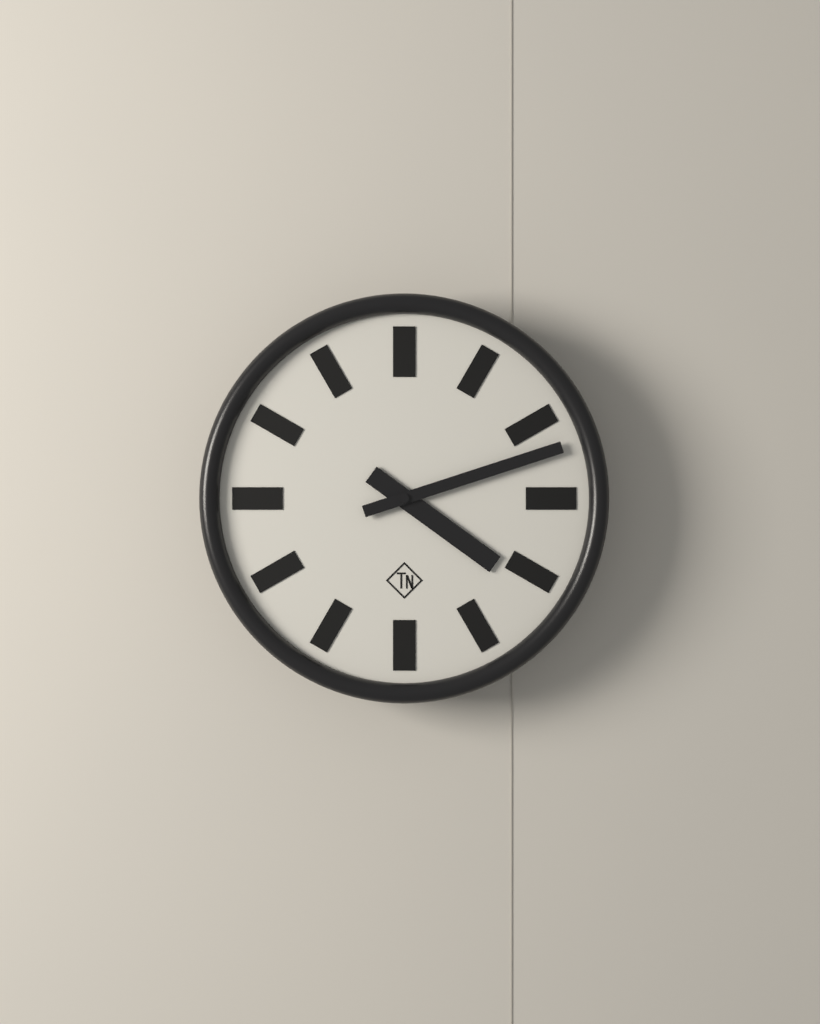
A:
h=4 m=12
